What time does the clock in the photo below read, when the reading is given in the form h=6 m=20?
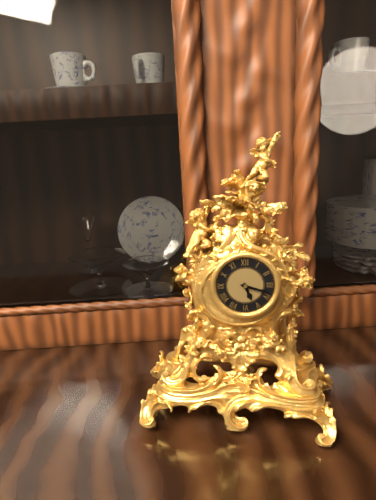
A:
h=5 m=18
